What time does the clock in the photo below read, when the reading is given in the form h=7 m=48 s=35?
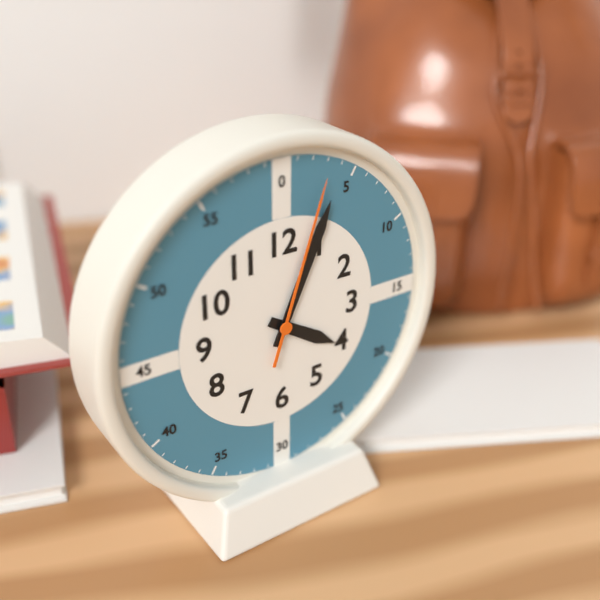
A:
h=4 m=4 s=3
